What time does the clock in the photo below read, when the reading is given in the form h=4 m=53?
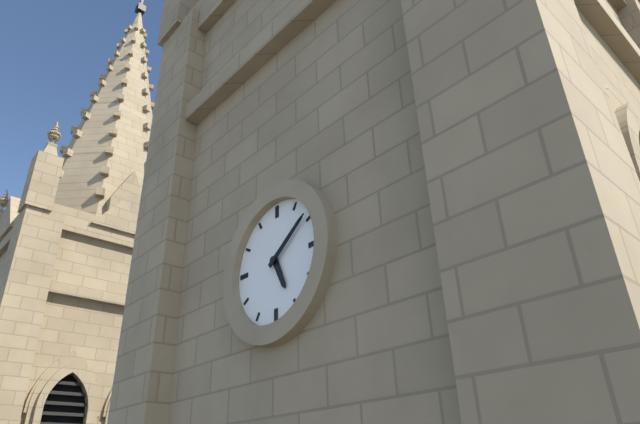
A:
h=5 m=9
